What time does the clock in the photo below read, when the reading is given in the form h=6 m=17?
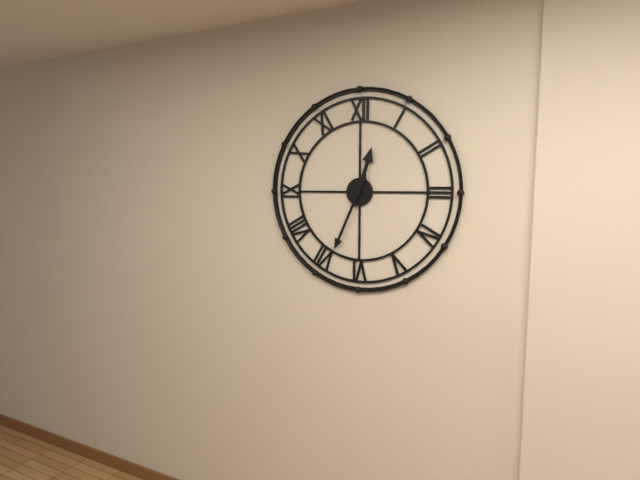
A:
h=12 m=34
